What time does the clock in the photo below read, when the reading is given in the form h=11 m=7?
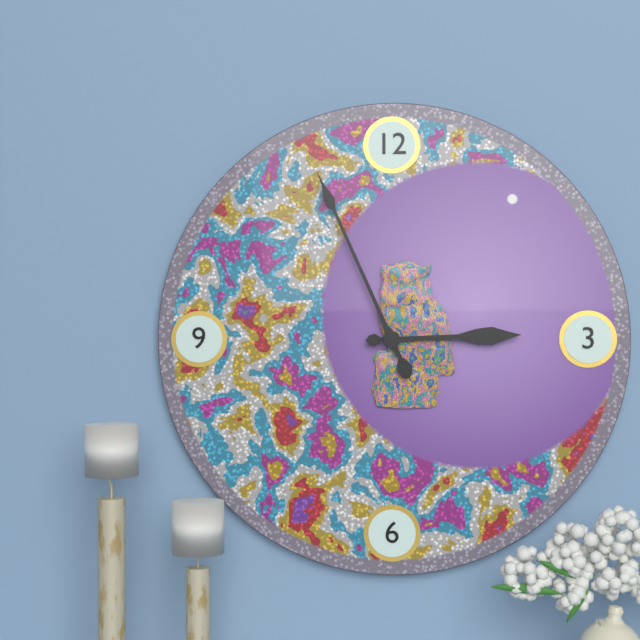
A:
h=2 m=56
